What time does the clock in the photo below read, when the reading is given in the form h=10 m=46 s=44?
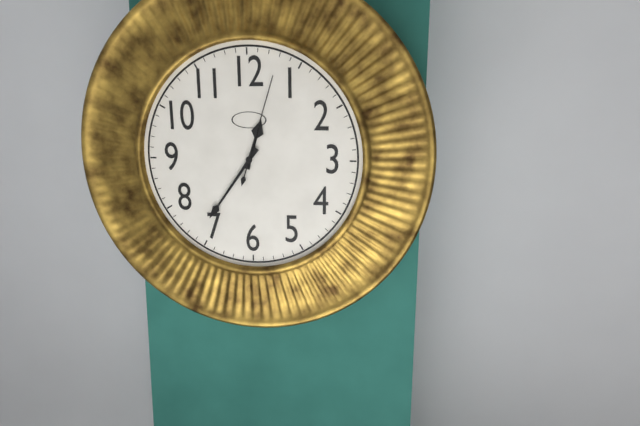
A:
h=12 m=36 s=3
